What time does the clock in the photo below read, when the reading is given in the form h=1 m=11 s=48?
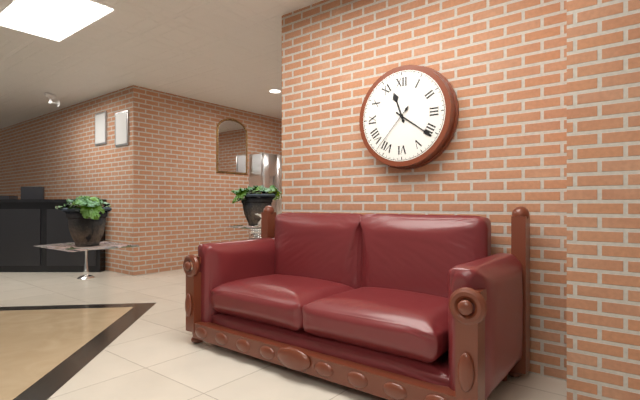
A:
h=11 m=21 s=37
